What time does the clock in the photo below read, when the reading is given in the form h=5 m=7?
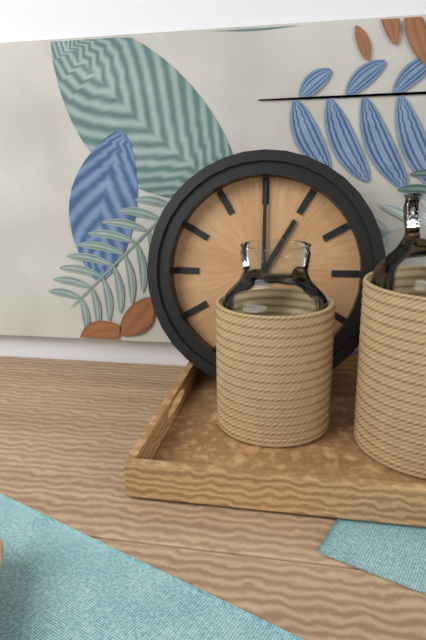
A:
h=1 m=0
